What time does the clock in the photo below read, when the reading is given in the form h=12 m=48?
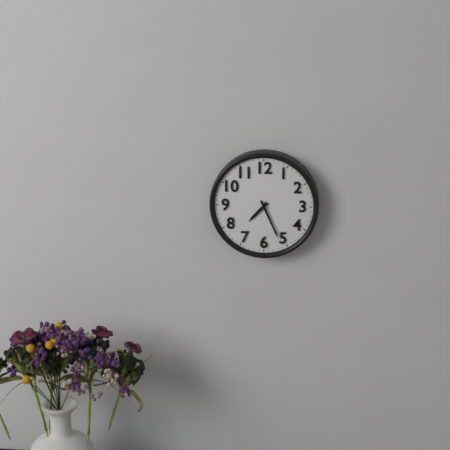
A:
h=7 m=26
